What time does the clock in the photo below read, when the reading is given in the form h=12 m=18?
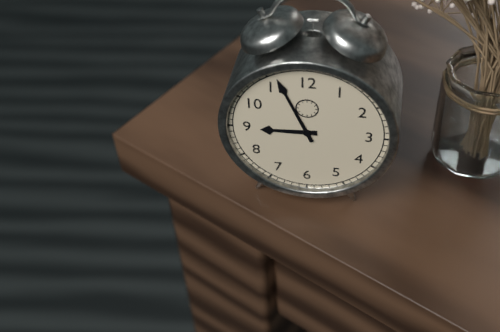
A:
h=8 m=56
